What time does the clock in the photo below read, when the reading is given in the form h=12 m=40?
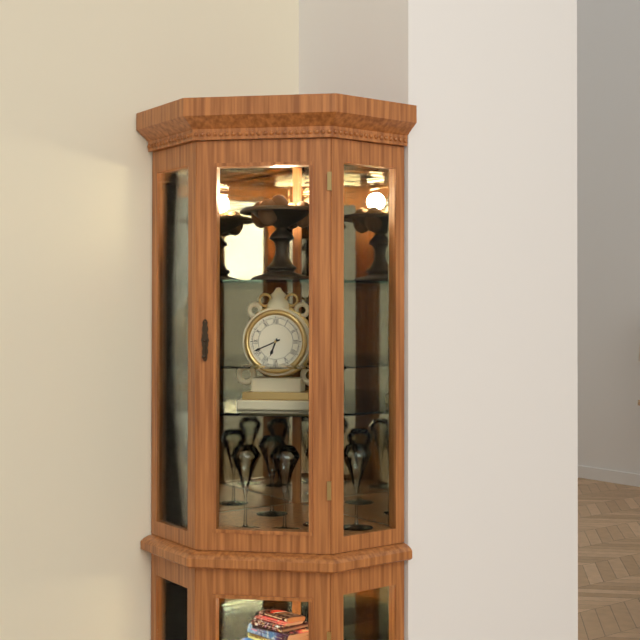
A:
h=6 m=41
